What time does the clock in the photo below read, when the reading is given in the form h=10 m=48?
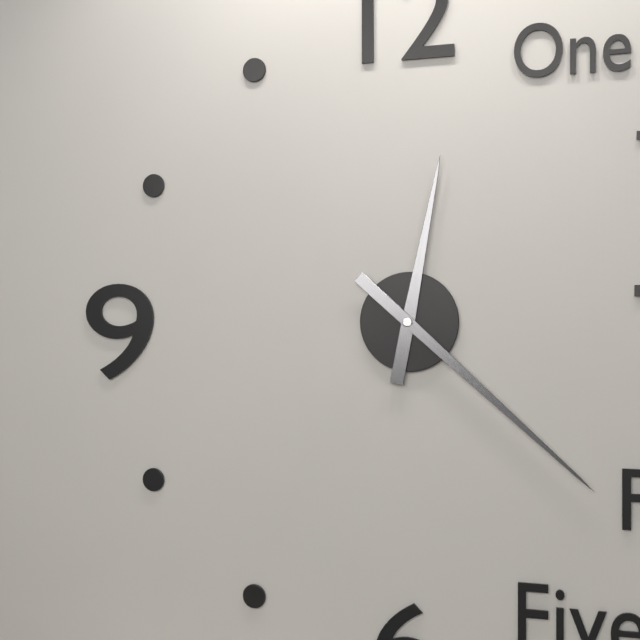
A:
h=12 m=22
